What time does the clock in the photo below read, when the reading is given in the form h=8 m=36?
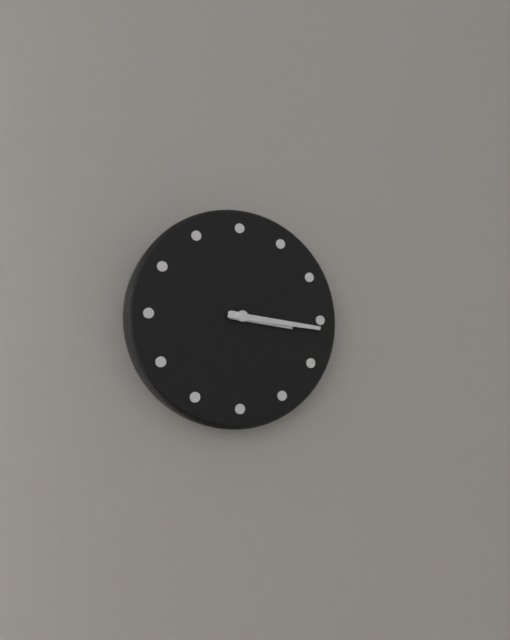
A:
h=3 m=16
